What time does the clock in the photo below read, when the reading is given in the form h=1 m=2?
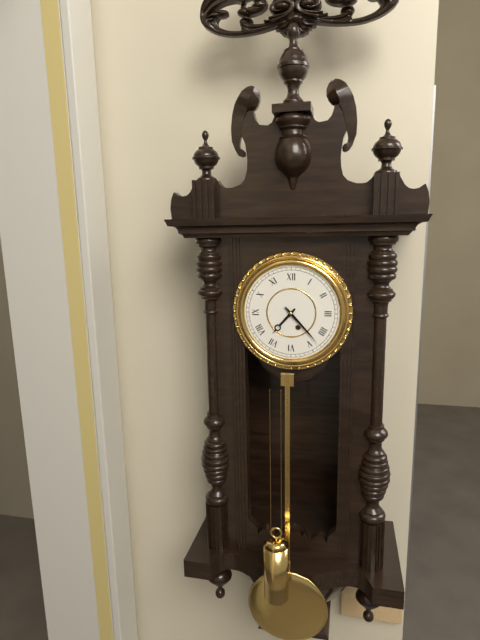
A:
h=7 m=23
